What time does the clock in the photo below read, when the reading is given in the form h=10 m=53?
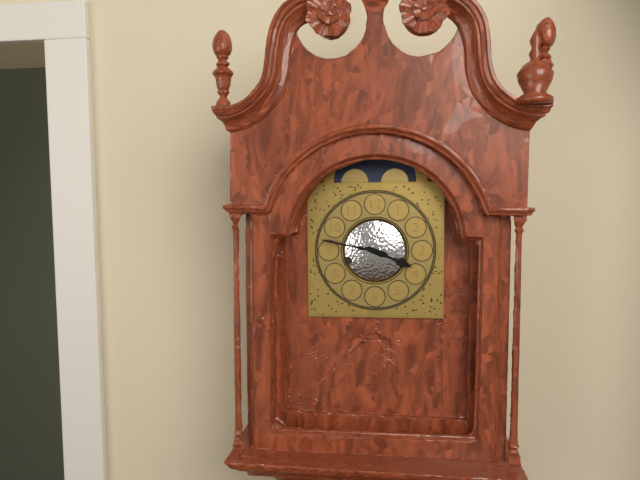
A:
h=3 m=47
